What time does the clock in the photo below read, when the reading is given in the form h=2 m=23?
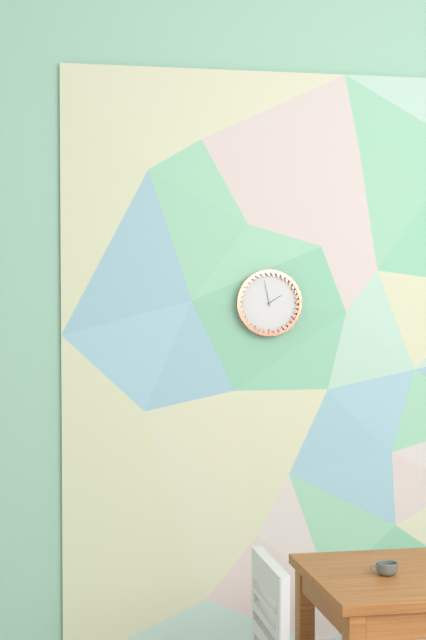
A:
h=1 m=58
